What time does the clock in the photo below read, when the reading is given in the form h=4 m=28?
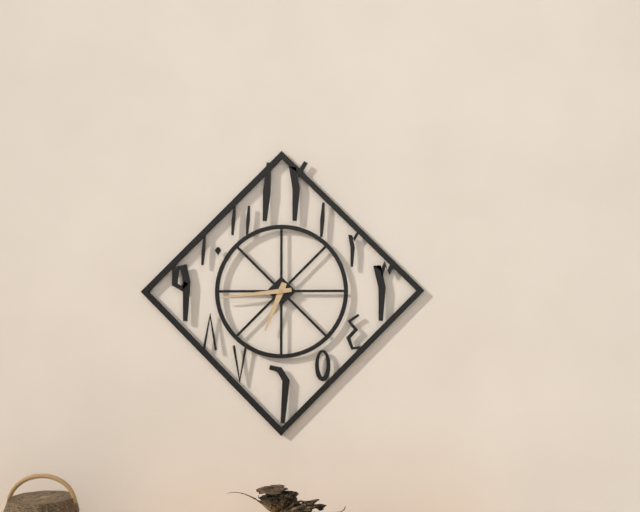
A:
h=6 m=44
